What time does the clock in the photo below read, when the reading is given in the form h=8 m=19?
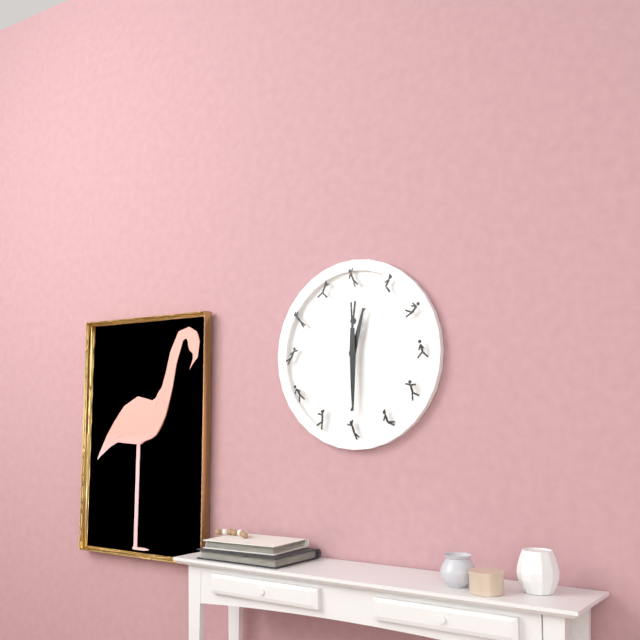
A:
h=12 m=30
